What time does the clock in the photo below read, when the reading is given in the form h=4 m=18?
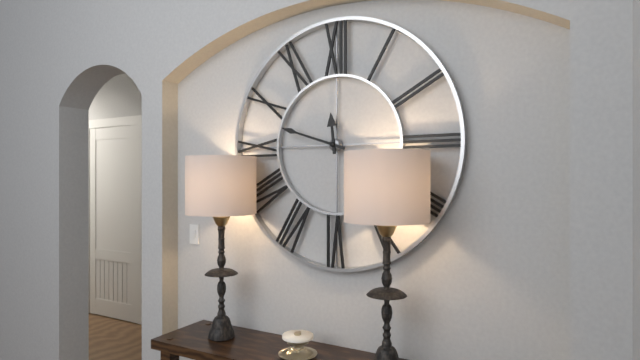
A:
h=11 m=48
